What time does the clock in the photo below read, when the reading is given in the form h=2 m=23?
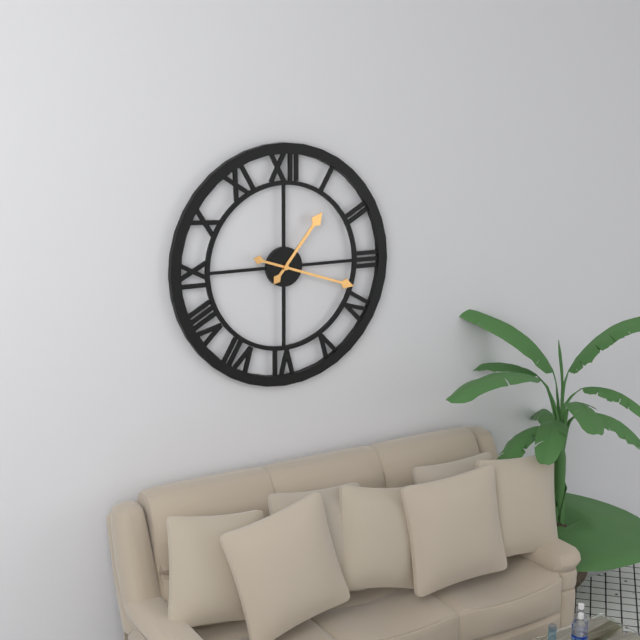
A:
h=1 m=18
